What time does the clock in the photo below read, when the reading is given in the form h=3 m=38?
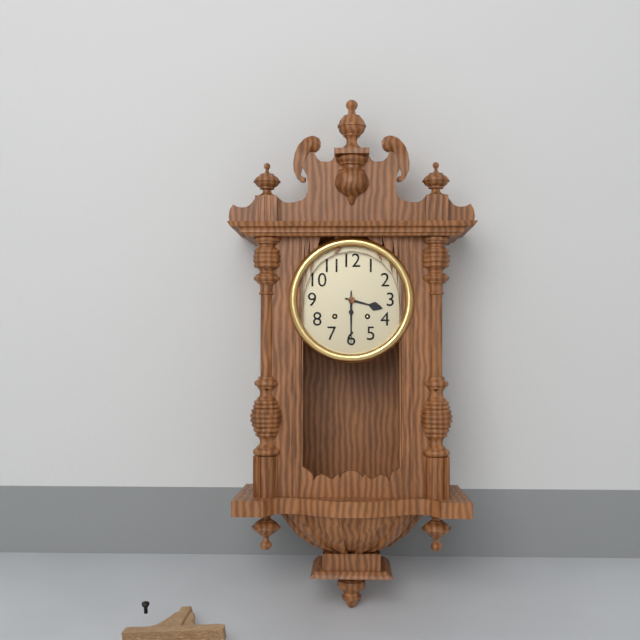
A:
h=3 m=30
